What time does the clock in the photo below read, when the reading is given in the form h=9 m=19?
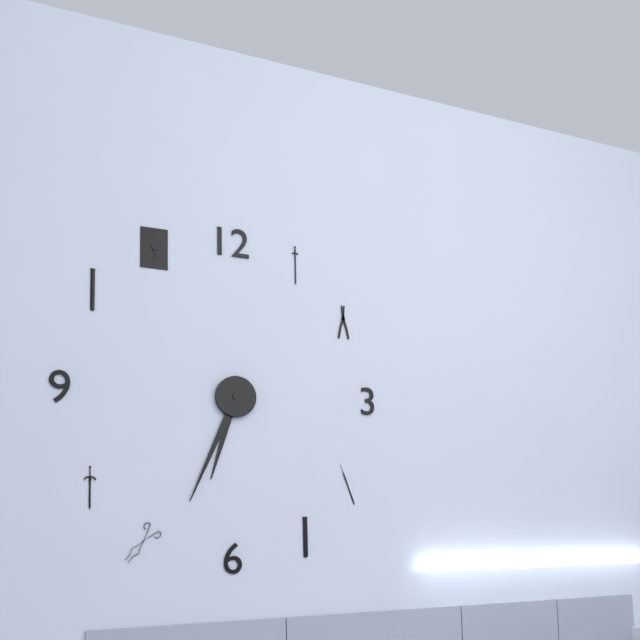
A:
h=6 m=34
